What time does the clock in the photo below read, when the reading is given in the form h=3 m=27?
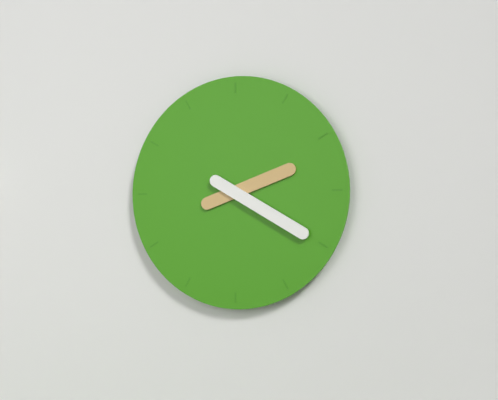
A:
h=2 m=20
